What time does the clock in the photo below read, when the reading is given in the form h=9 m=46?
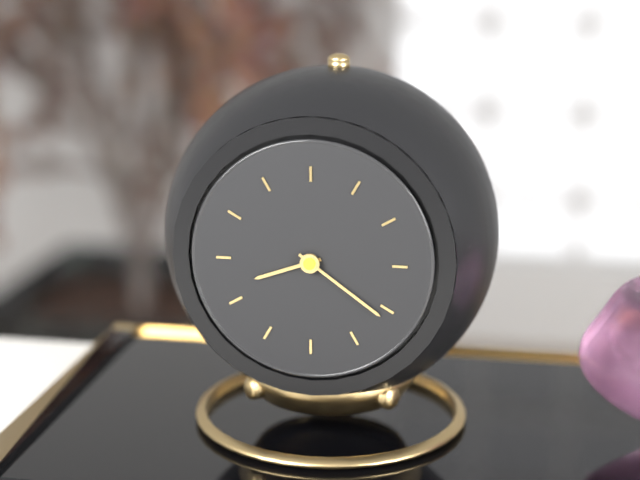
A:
h=8 m=21
